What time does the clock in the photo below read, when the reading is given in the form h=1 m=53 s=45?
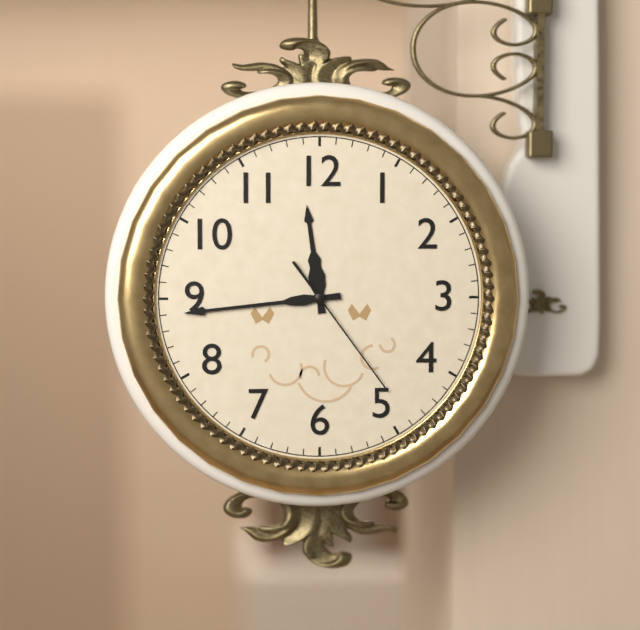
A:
h=11 m=44 s=24
